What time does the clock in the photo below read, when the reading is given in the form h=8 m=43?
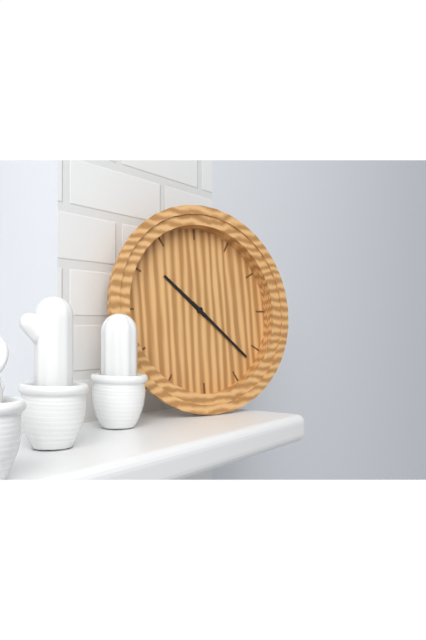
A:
h=10 m=22
